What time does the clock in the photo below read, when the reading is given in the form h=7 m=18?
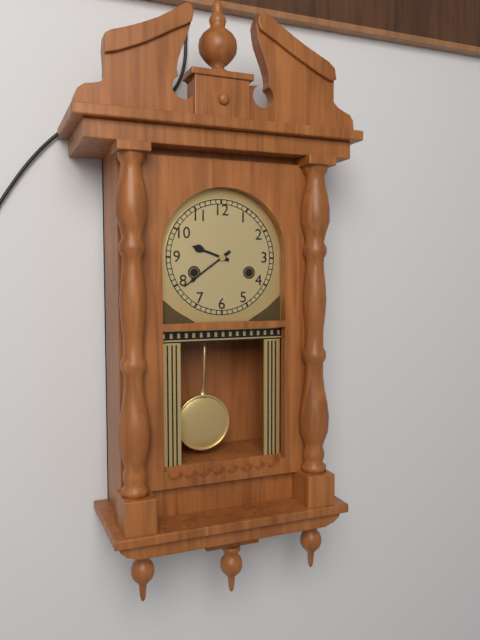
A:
h=9 m=39
